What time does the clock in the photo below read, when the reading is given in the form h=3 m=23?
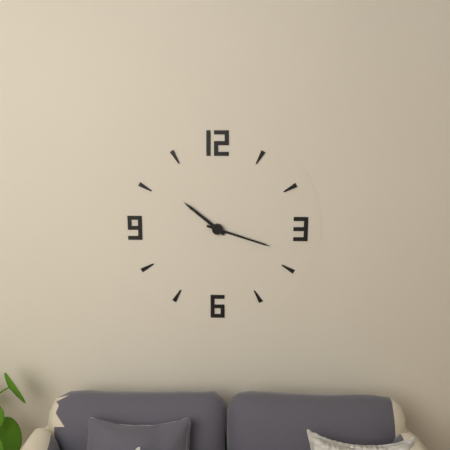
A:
h=10 m=18
